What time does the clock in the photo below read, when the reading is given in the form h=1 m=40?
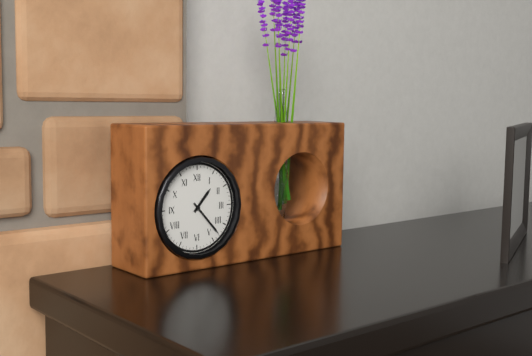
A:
h=1 m=23
